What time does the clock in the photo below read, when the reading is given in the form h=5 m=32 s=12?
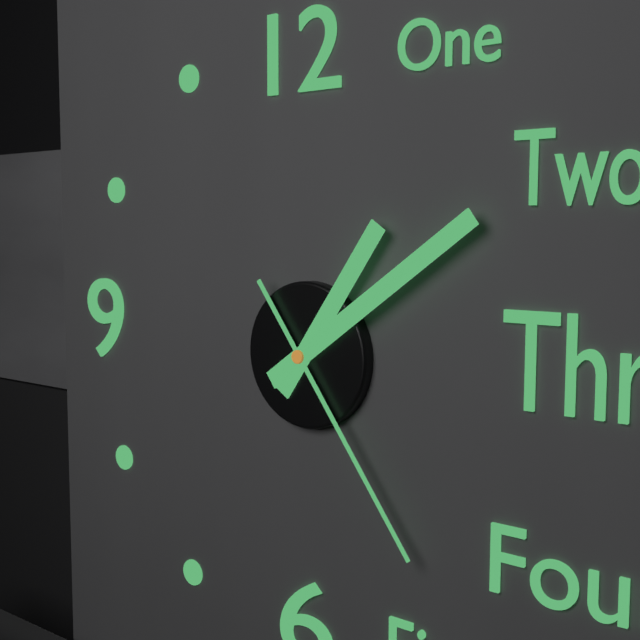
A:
h=1 m=9 s=24
